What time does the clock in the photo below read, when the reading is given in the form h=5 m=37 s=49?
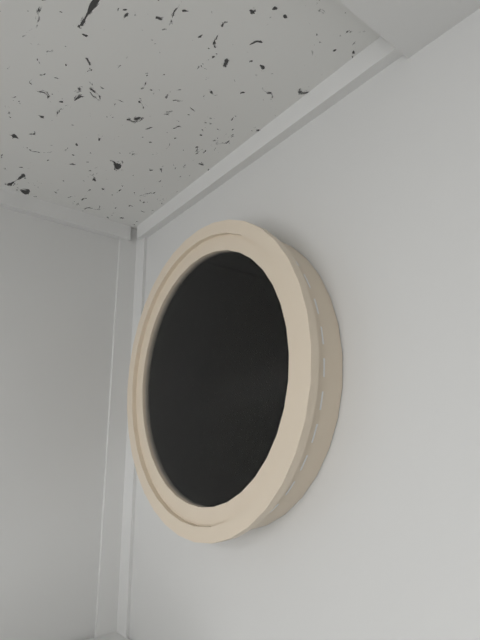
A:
h=7 m=40 s=38
